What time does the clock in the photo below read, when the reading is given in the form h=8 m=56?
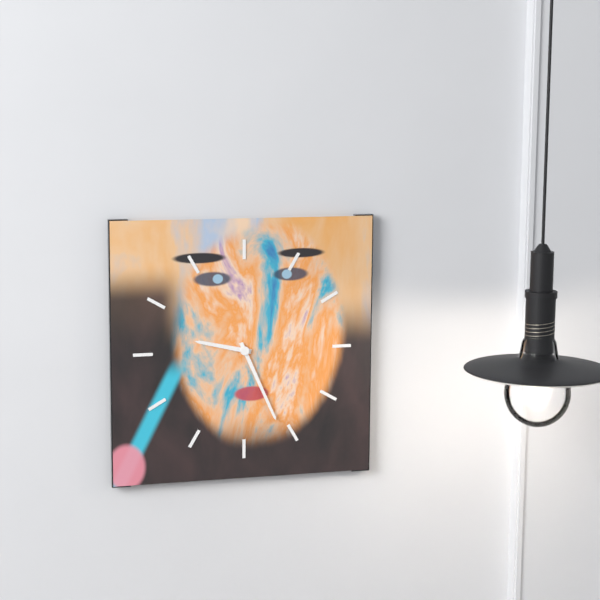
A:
h=9 m=26
